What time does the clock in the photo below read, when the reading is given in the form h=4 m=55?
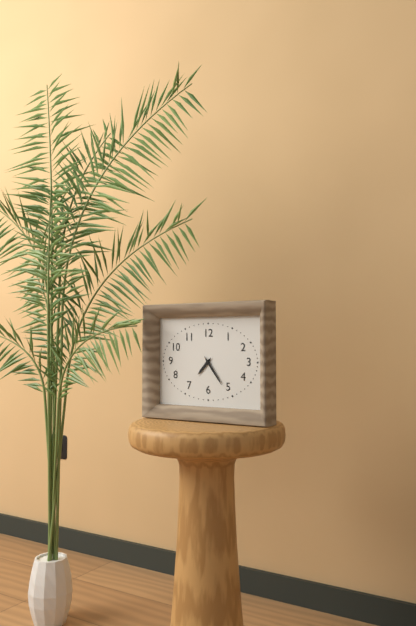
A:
h=7 m=24
